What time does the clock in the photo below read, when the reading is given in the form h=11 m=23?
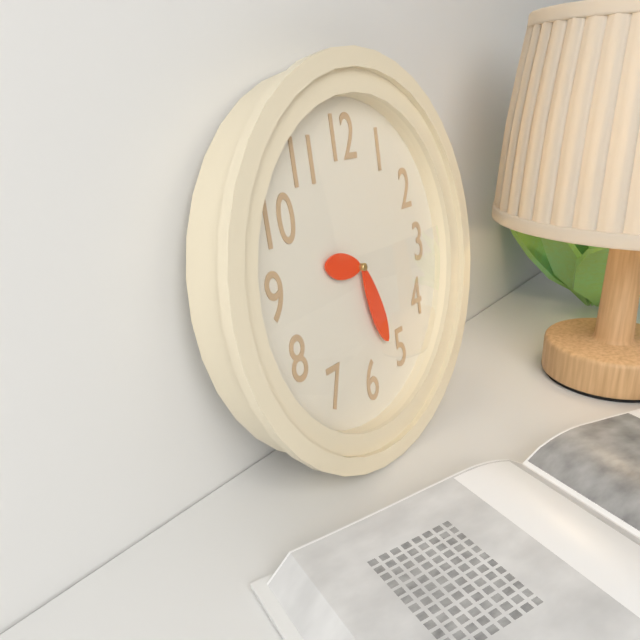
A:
h=9 m=27
